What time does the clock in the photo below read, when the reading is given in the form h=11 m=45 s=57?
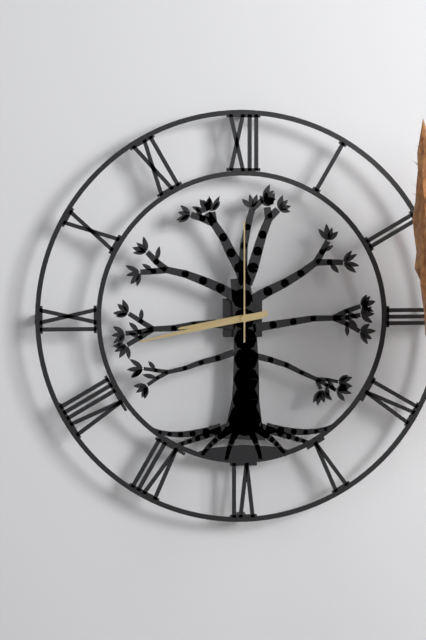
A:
h=8 m=43 s=0
